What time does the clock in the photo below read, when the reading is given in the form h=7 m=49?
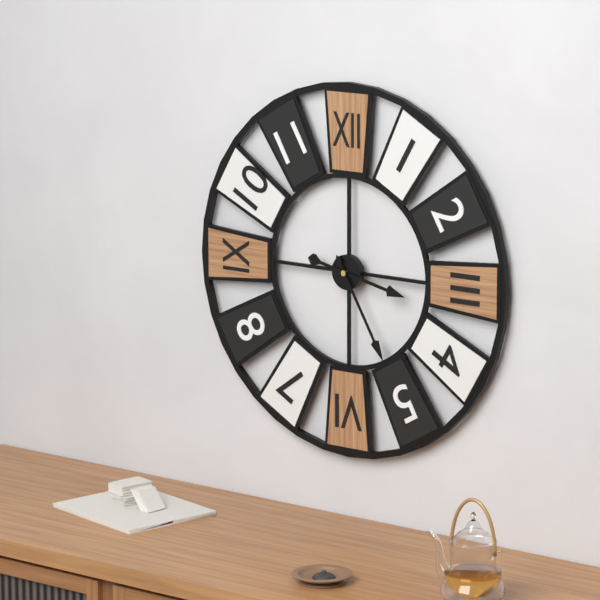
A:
h=3 m=25
